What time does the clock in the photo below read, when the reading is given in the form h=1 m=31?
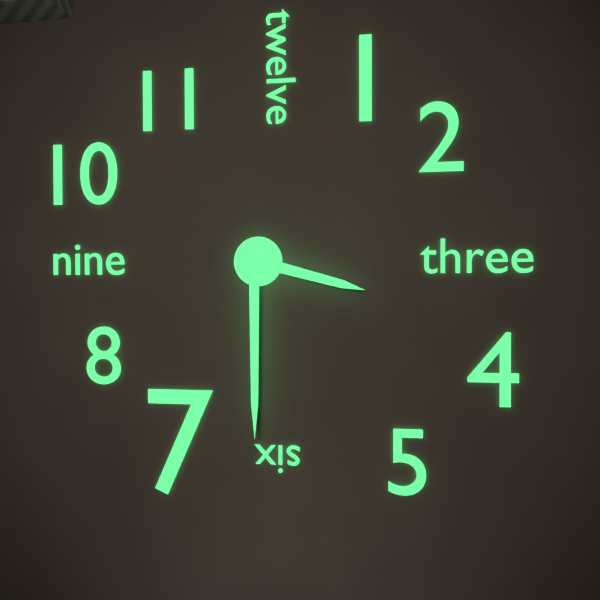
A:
h=3 m=30
